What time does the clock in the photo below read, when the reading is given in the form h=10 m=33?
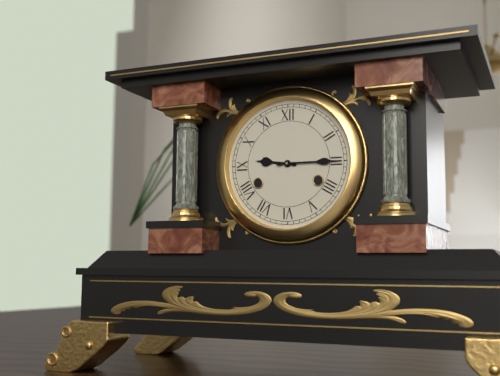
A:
h=9 m=15
